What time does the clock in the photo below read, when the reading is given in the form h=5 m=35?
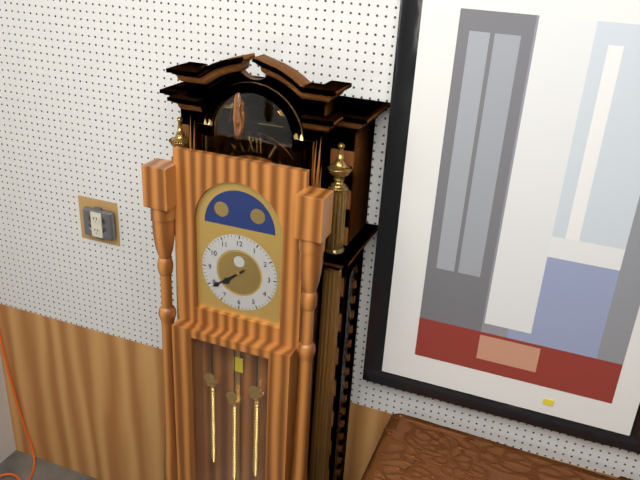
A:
h=7 m=39
